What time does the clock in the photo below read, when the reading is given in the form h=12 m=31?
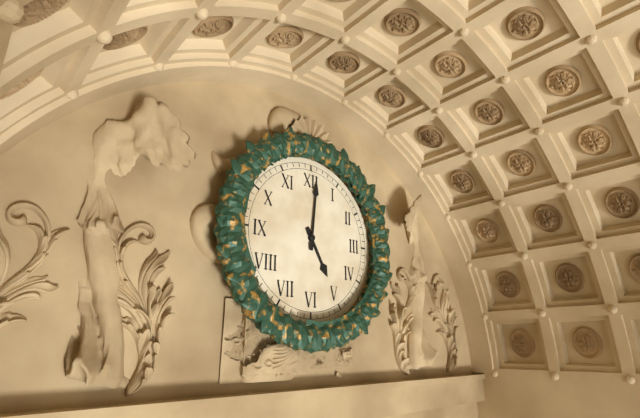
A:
h=5 m=1
